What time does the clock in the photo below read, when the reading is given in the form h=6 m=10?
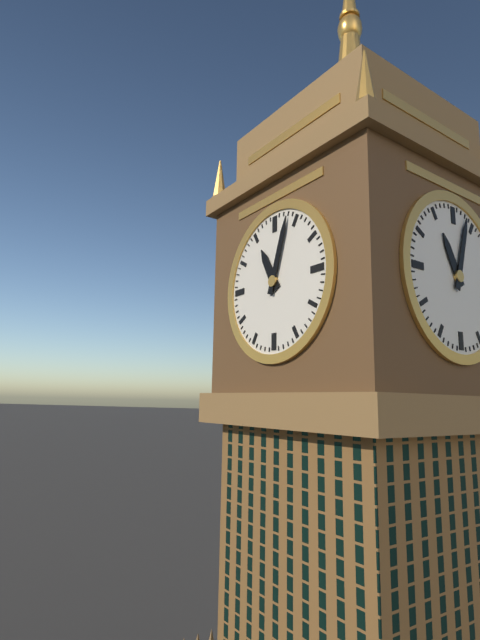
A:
h=11 m=3
